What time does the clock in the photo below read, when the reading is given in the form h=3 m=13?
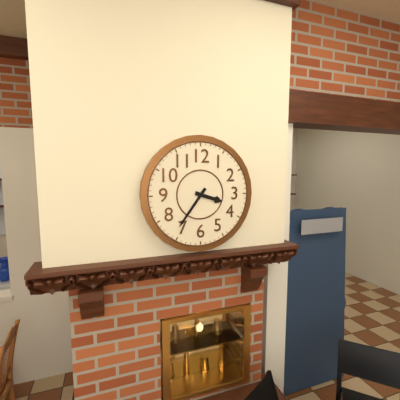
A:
h=3 m=36
